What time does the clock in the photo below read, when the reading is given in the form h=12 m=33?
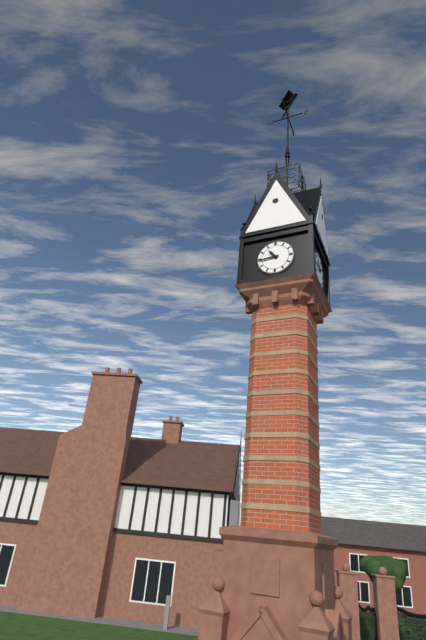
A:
h=10 m=44
